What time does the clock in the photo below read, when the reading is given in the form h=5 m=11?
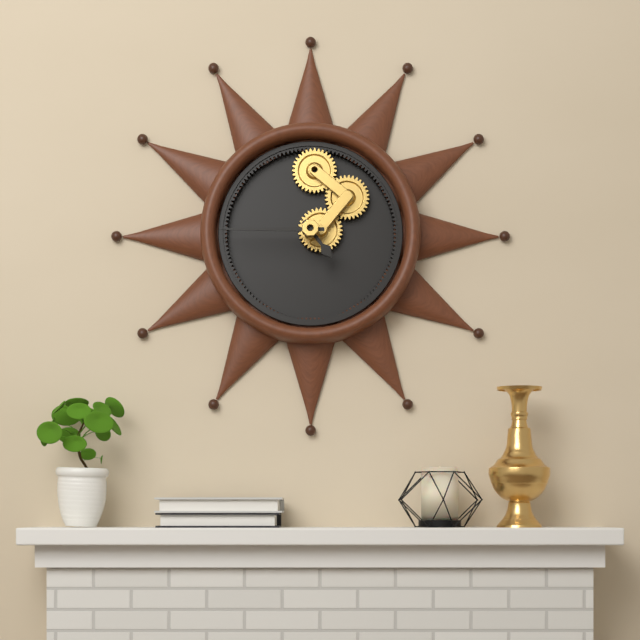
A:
h=4 m=45
